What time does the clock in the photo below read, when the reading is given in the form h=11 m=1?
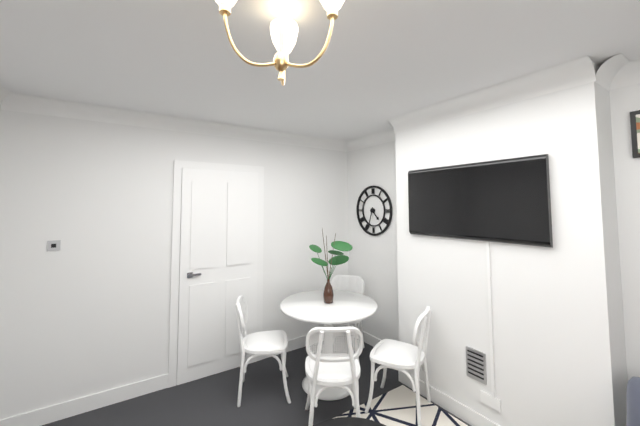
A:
h=4 m=33
